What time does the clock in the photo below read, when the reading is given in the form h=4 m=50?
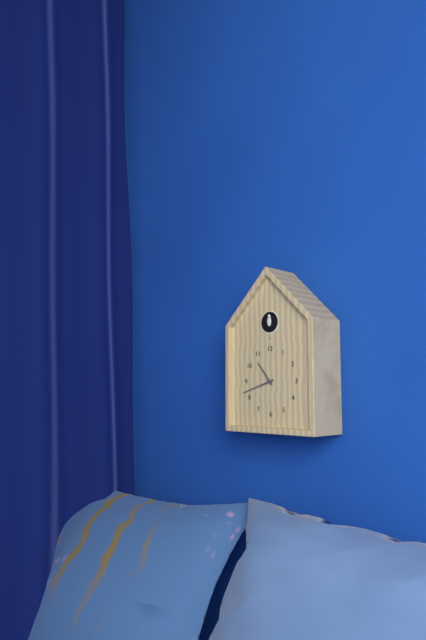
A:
h=10 m=42
